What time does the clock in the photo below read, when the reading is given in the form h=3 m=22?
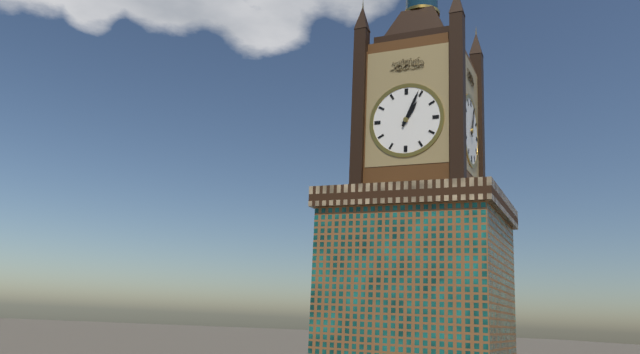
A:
h=1 m=4
